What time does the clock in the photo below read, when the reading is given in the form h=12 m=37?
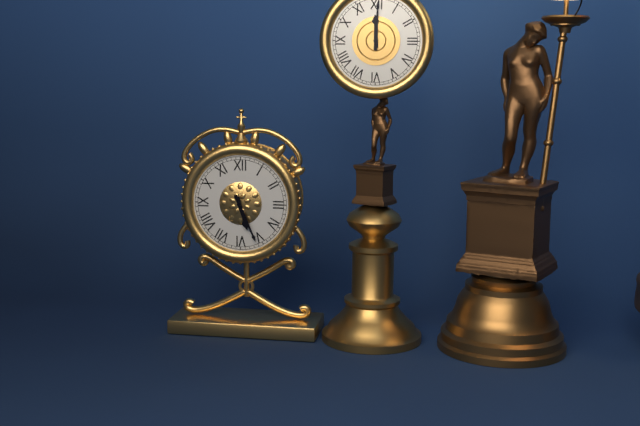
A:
h=5 m=26
